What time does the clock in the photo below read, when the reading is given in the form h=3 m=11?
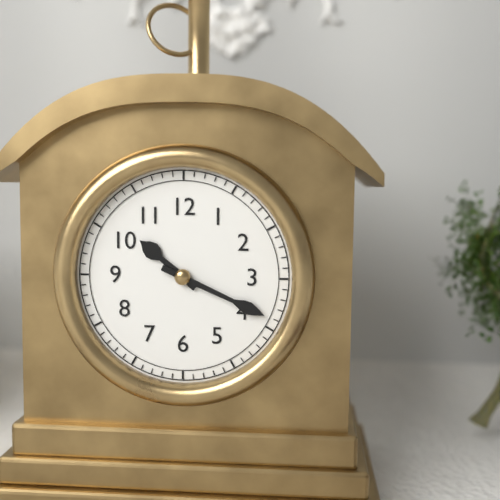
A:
h=10 m=19
